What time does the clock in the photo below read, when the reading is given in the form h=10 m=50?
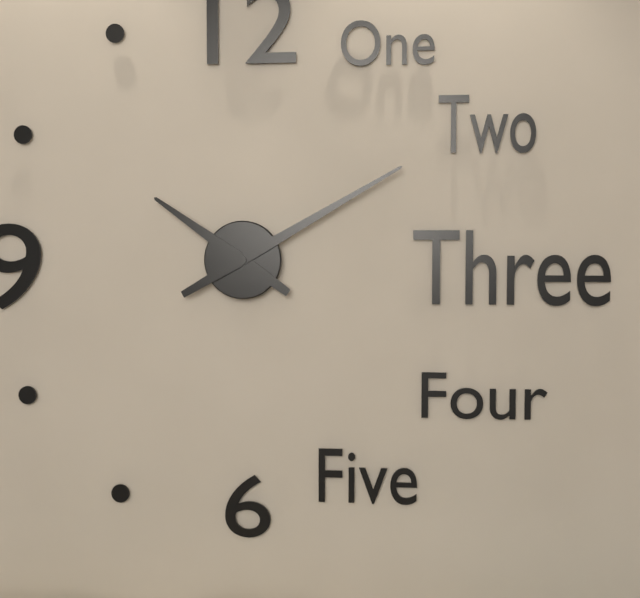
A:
h=10 m=10
